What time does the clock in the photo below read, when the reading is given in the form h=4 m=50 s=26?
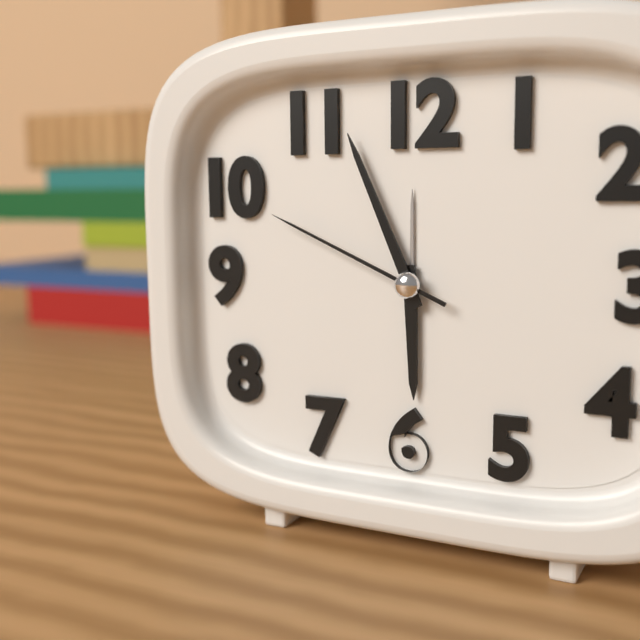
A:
h=5 m=56 s=49
